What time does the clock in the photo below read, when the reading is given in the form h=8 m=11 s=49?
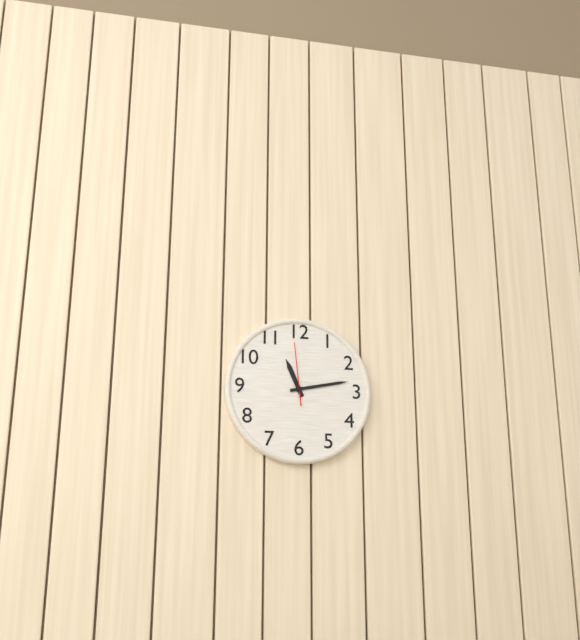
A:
h=11 m=13 s=59
